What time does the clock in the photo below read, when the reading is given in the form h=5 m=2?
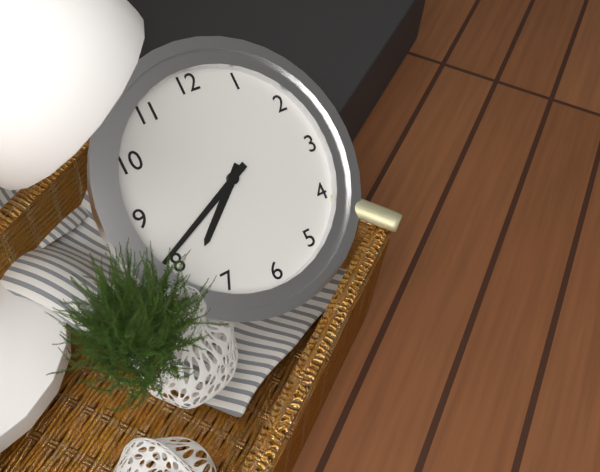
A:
h=7 m=41
